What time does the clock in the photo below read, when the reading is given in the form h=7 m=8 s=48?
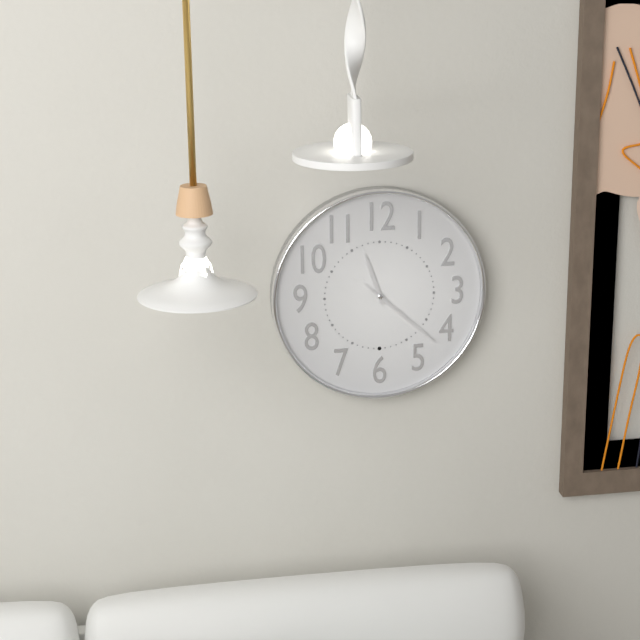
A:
h=11 m=22 s=22
